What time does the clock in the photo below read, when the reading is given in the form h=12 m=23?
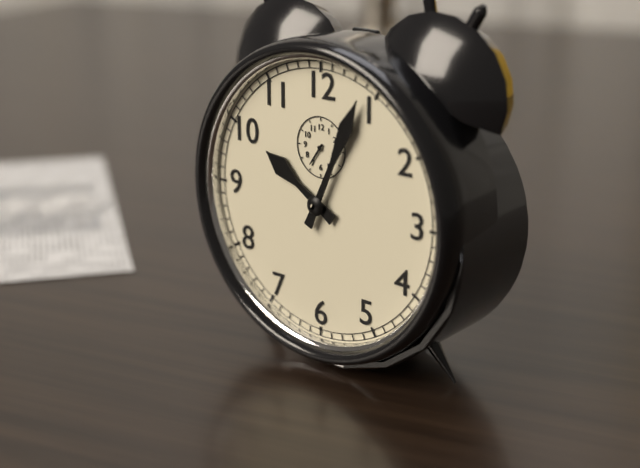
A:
h=10 m=4
